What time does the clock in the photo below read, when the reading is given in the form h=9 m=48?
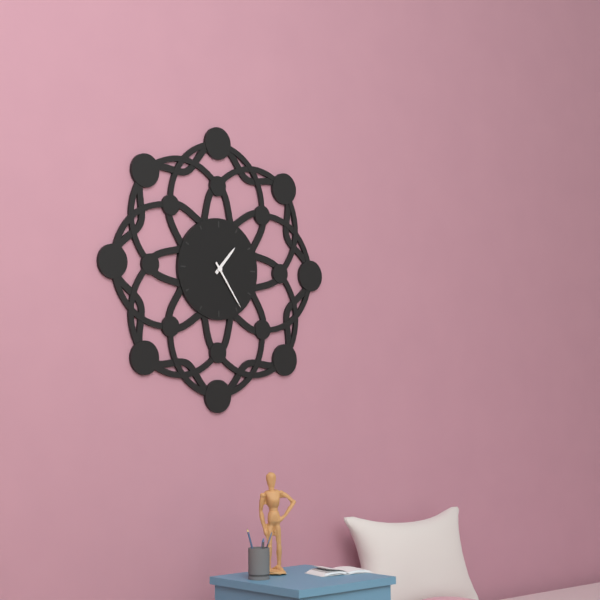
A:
h=1 m=24
